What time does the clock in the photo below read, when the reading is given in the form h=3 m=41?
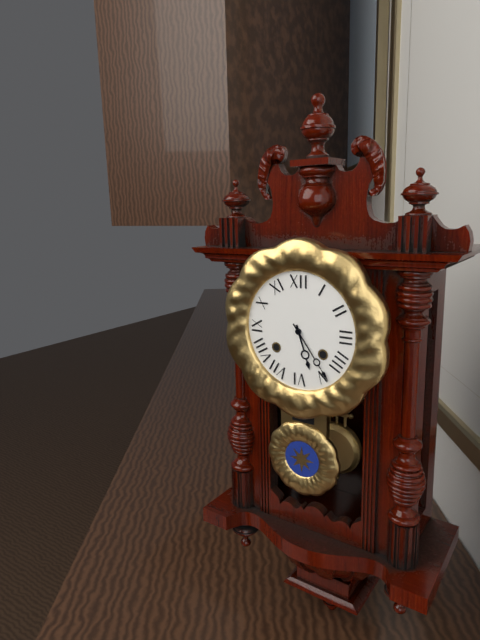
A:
h=5 m=24
